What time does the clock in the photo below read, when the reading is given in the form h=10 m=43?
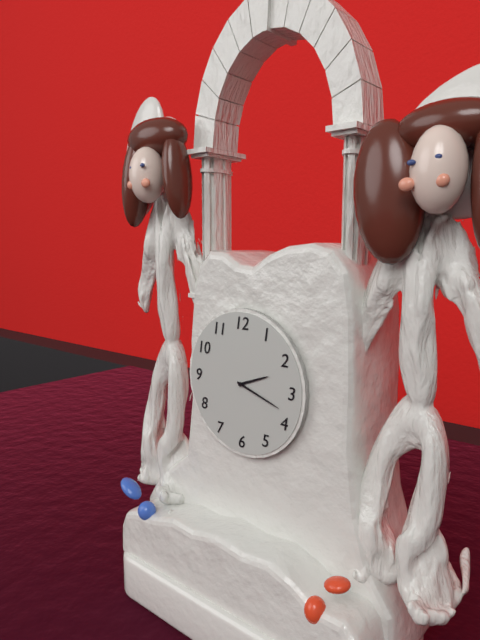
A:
h=2 m=18
